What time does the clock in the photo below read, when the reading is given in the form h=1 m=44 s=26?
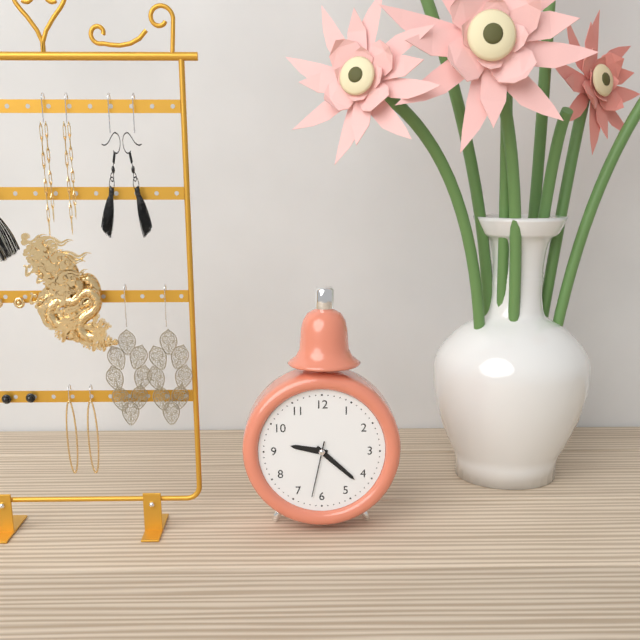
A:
h=9 m=22 s=32
